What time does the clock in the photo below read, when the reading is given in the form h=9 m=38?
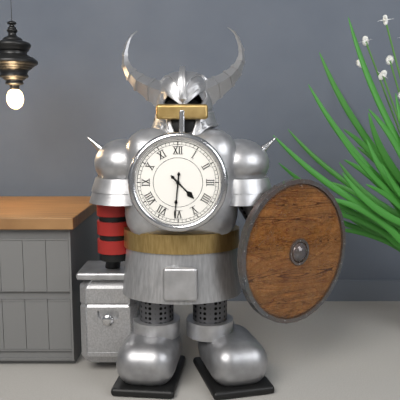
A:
h=4 m=31
